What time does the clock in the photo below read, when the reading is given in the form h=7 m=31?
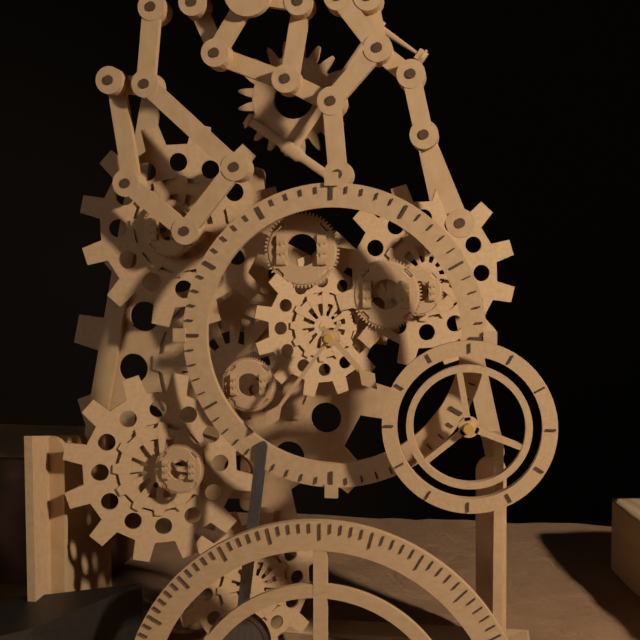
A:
h=4 m=36
